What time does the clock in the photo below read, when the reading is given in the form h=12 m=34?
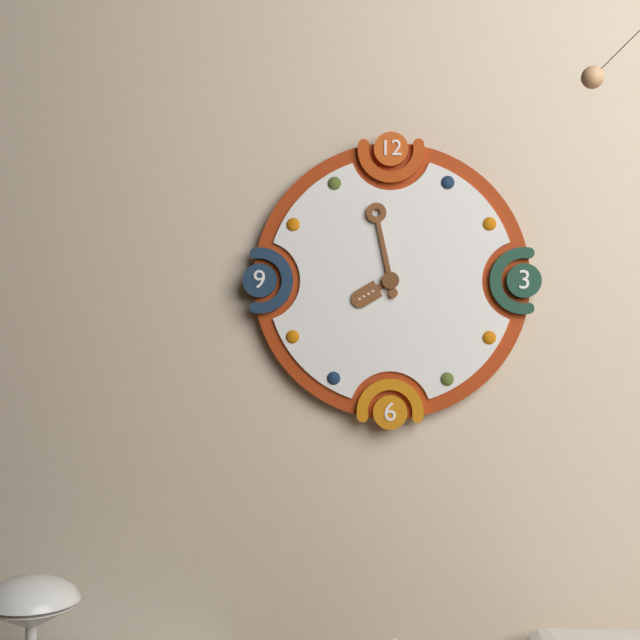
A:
h=7 m=58
